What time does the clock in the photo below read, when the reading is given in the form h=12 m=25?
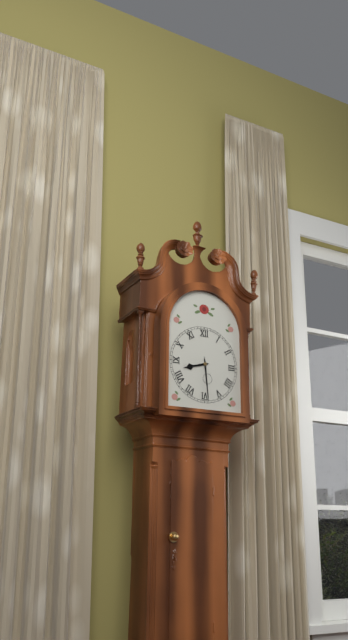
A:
h=8 m=29
